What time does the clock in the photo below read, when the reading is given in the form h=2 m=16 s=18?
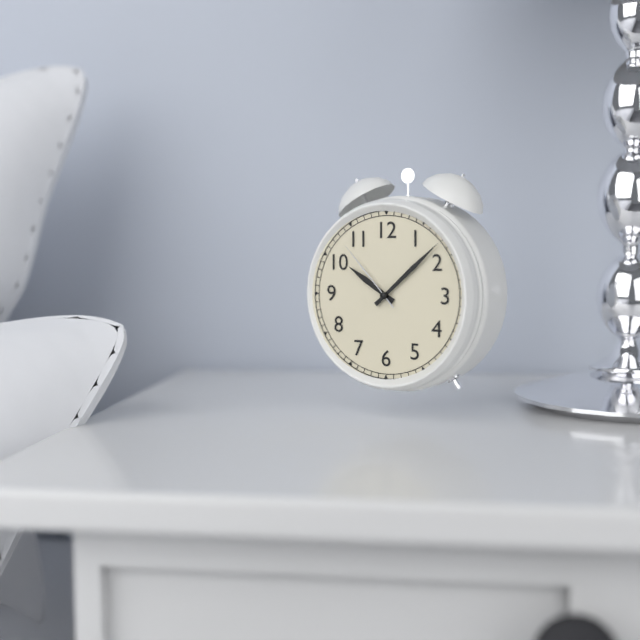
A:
h=10 m=8 s=53
